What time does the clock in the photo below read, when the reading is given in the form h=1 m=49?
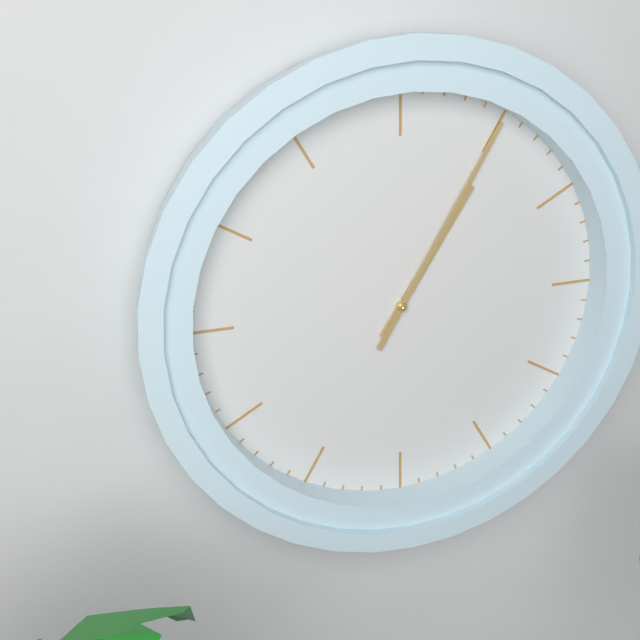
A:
h=1 m=5
